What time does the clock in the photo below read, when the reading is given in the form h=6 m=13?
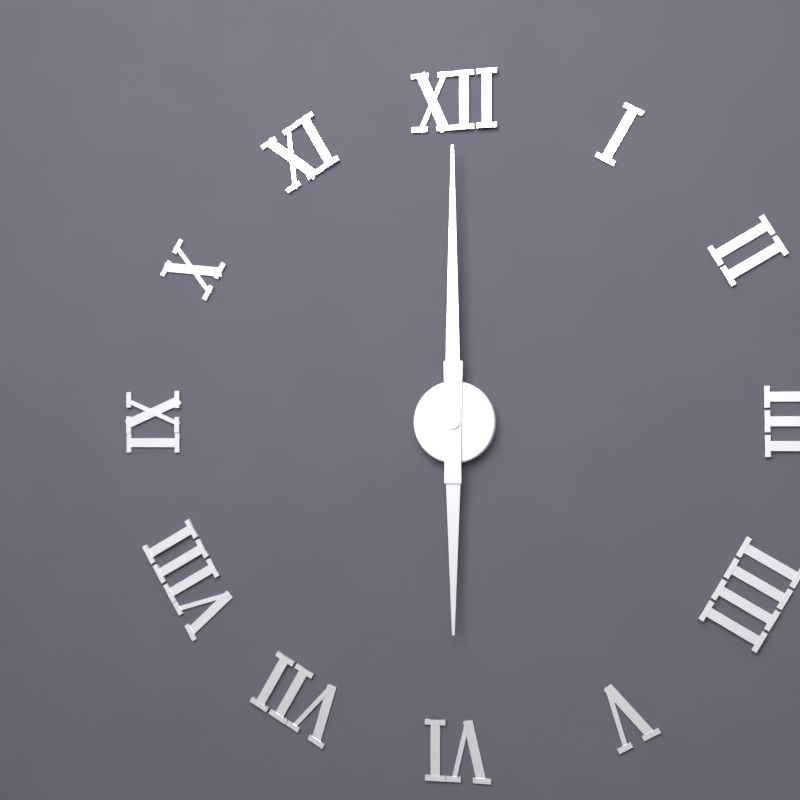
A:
h=6 m=0
